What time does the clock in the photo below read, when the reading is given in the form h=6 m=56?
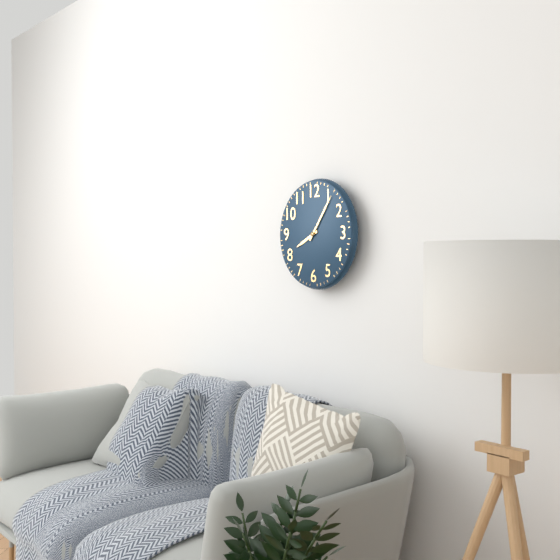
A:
h=8 m=6
